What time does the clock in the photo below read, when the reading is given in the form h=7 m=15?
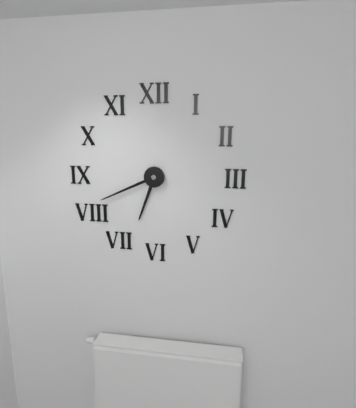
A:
h=6 m=41
